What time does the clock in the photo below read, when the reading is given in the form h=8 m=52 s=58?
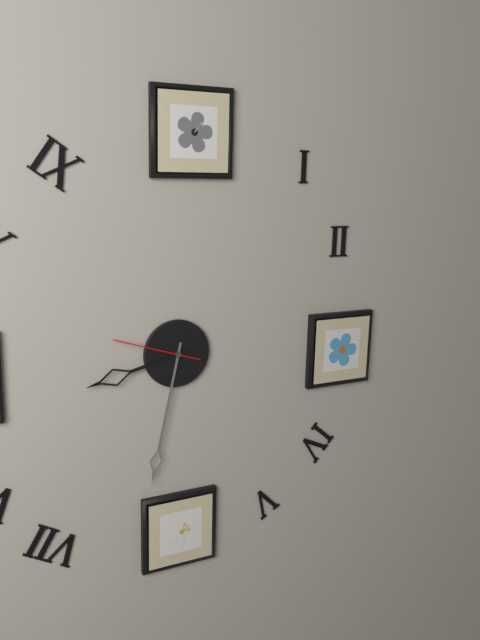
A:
h=8 m=32 s=48
